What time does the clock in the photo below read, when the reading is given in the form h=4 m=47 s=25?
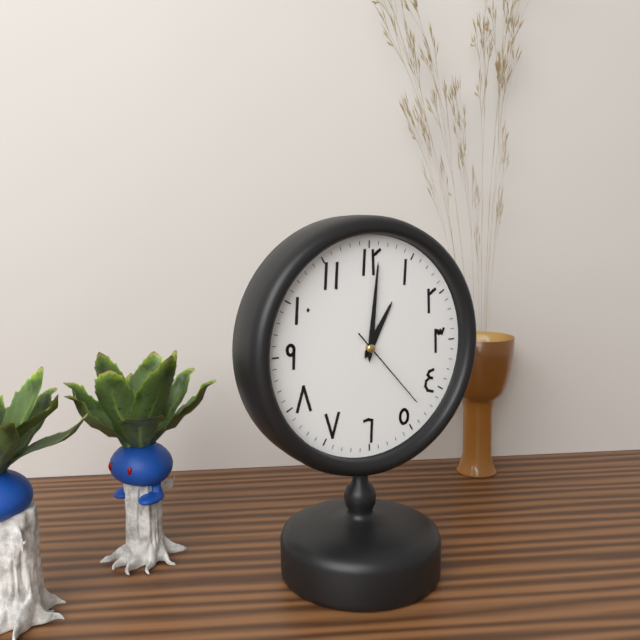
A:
h=1 m=1 s=23
